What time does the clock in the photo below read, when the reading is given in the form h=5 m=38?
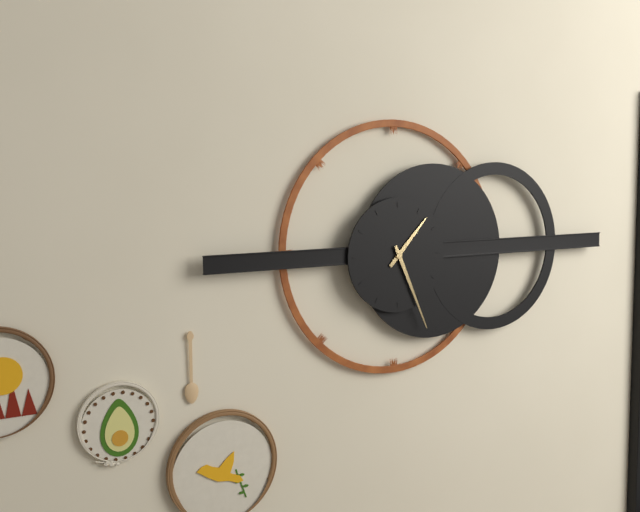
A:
h=1 m=26
